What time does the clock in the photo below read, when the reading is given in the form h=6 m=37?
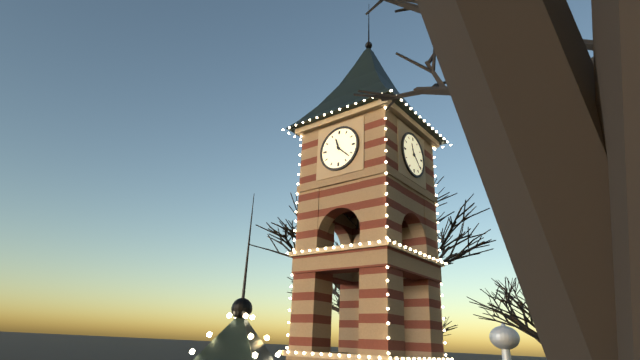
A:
h=11 m=22
